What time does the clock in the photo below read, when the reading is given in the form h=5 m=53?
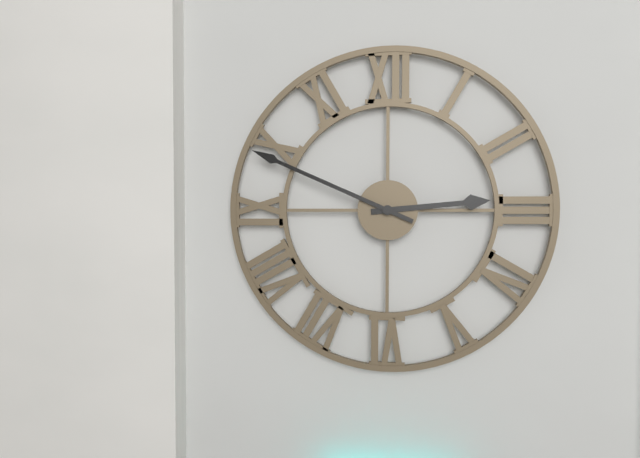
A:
h=2 m=49
